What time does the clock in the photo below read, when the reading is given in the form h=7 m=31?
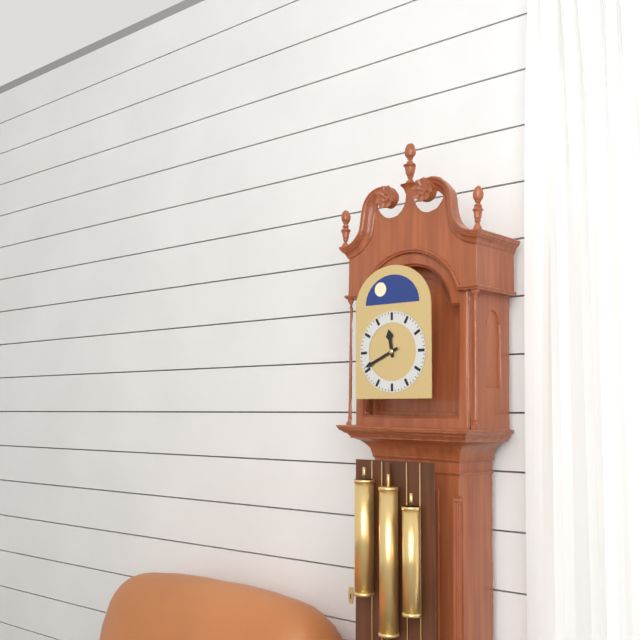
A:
h=11 m=41
